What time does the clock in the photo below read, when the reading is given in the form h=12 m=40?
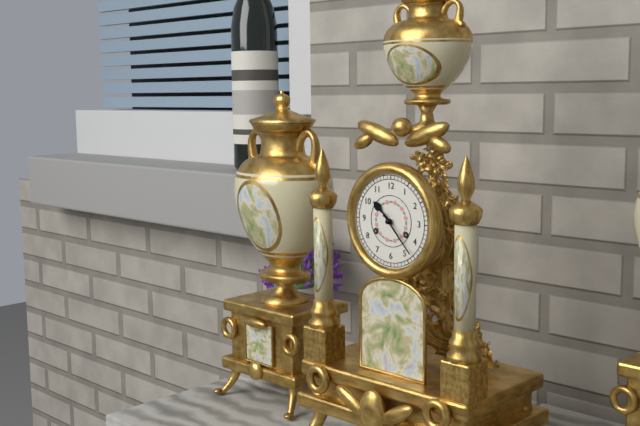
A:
h=10 m=23
